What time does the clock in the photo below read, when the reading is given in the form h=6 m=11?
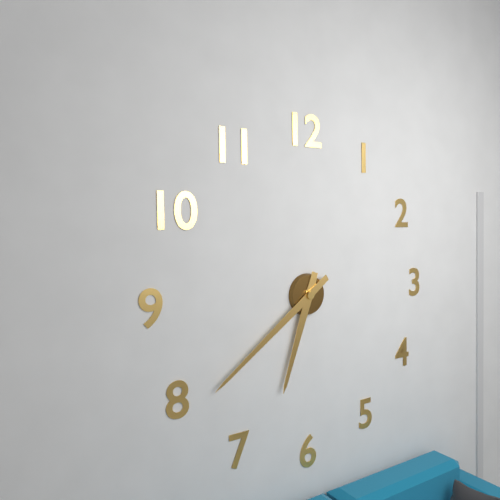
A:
h=6 m=39
